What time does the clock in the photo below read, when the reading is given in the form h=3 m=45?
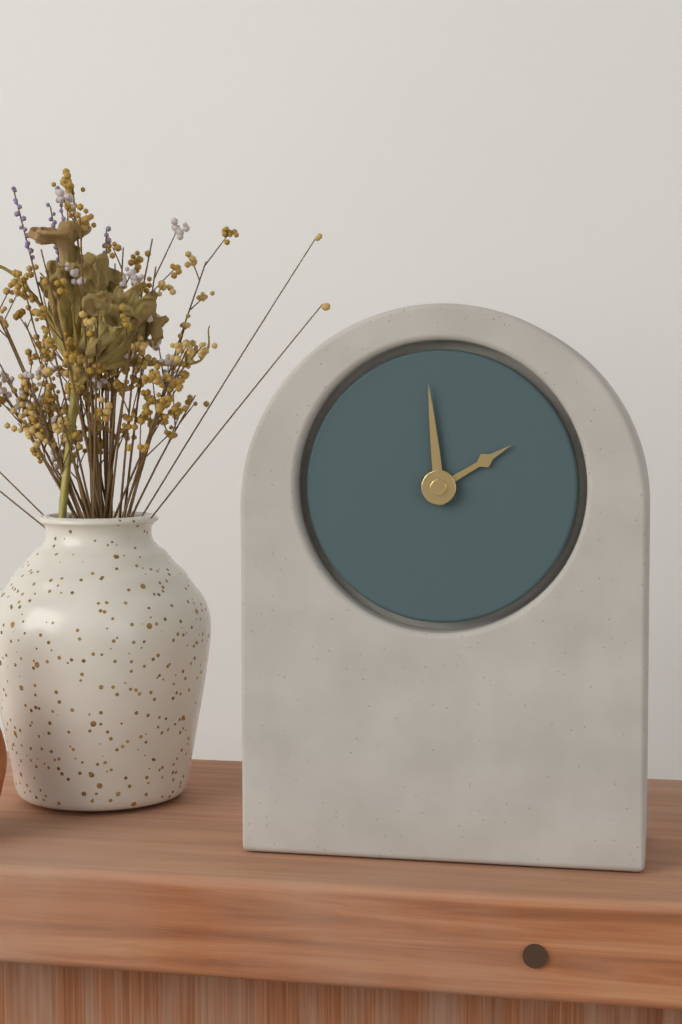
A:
h=1 m=59
